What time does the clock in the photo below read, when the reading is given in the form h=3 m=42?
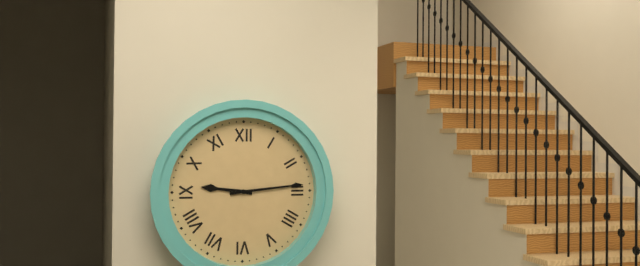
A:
h=9 m=14
